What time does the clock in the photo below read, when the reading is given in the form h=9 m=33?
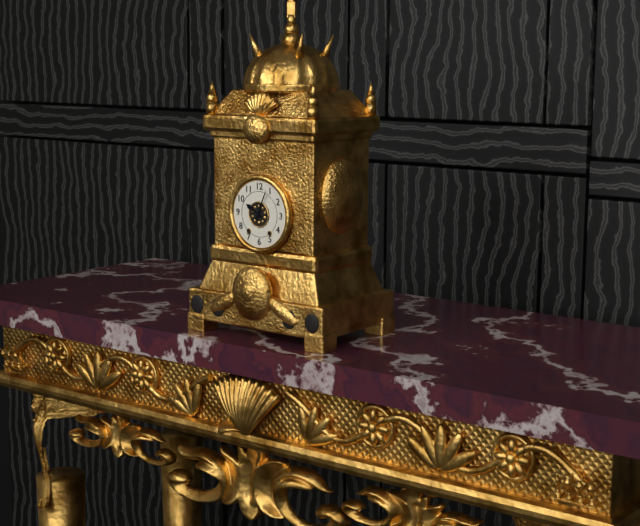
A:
h=10 m=4
